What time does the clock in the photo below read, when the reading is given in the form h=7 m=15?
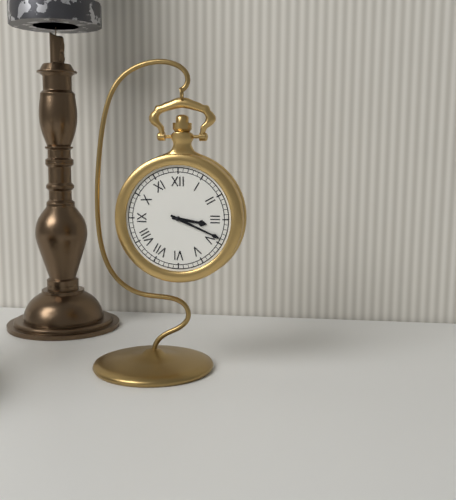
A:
h=3 m=19
